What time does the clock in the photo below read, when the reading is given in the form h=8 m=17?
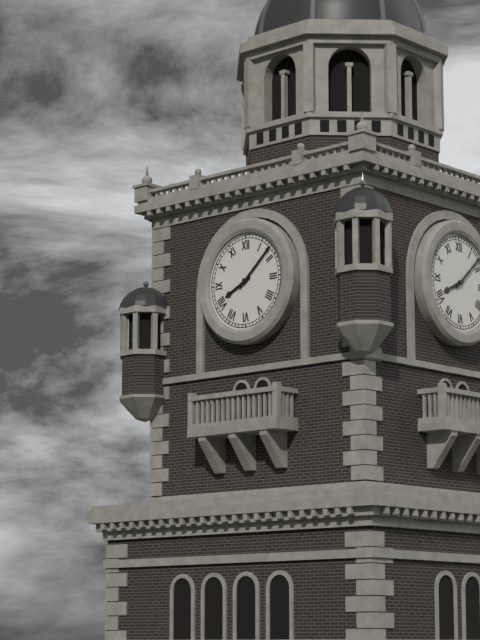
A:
h=8 m=8
